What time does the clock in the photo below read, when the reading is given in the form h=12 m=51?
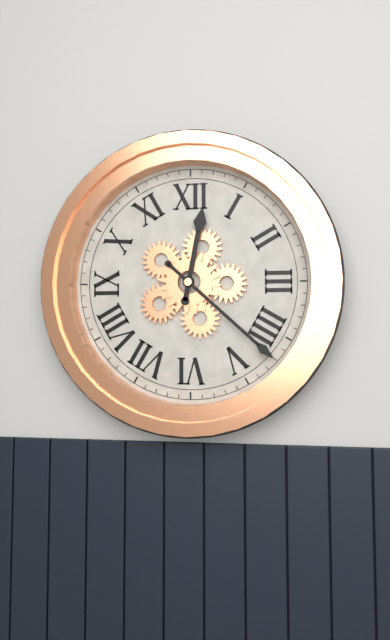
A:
h=12 m=22
